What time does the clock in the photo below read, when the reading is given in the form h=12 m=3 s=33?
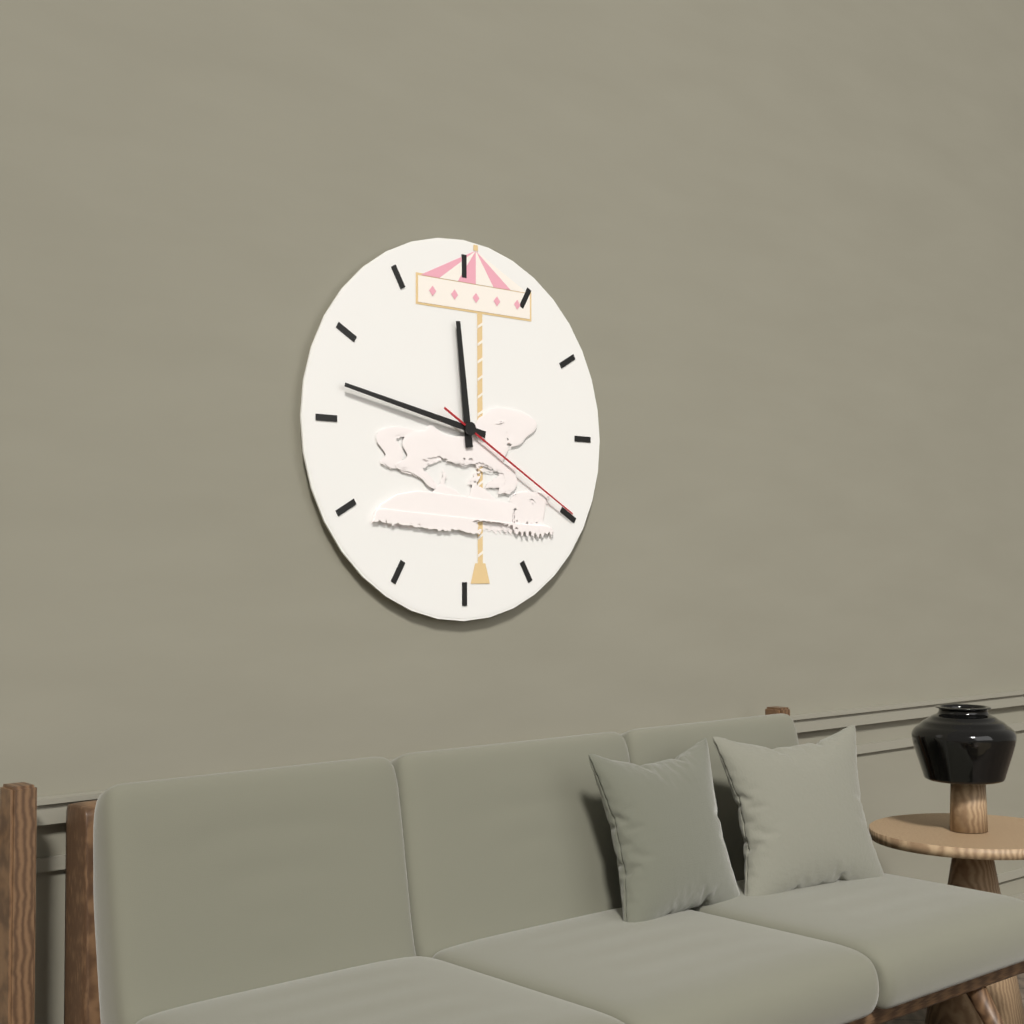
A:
h=11 m=47 s=20
